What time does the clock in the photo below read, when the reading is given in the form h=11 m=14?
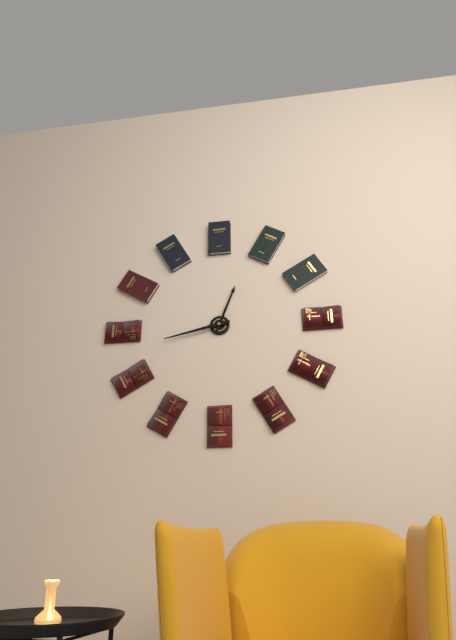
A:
h=12 m=43
